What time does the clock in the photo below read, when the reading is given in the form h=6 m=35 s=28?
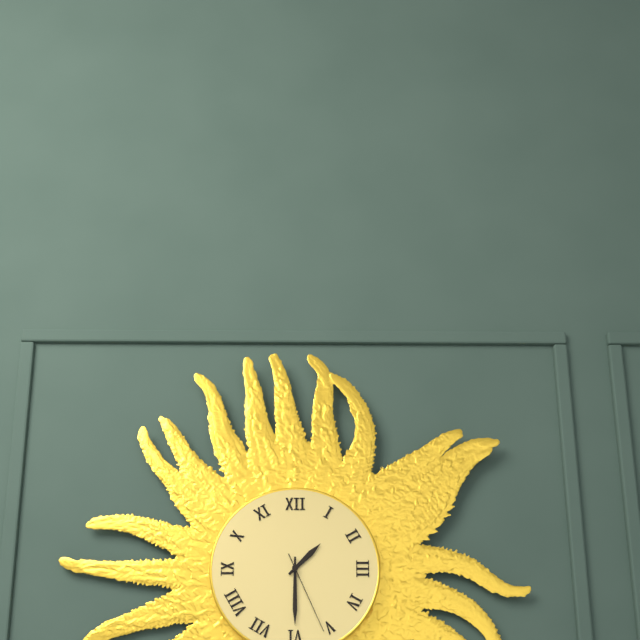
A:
h=1 m=30 s=26
